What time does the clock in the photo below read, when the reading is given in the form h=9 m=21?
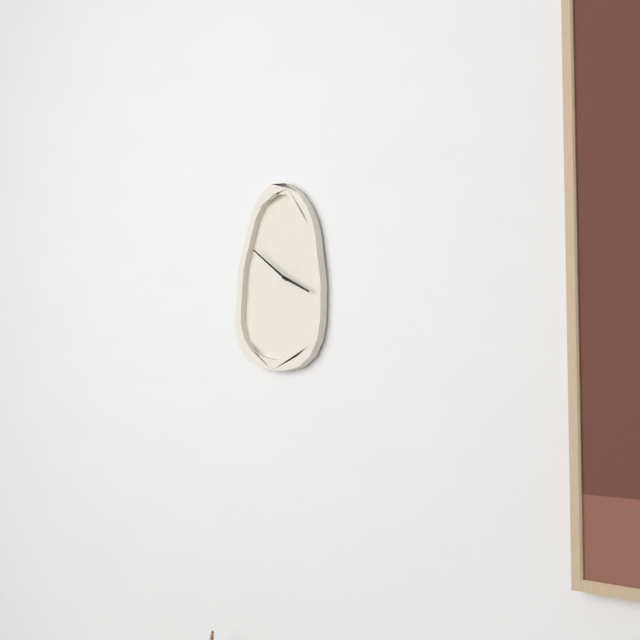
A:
h=3 m=51
